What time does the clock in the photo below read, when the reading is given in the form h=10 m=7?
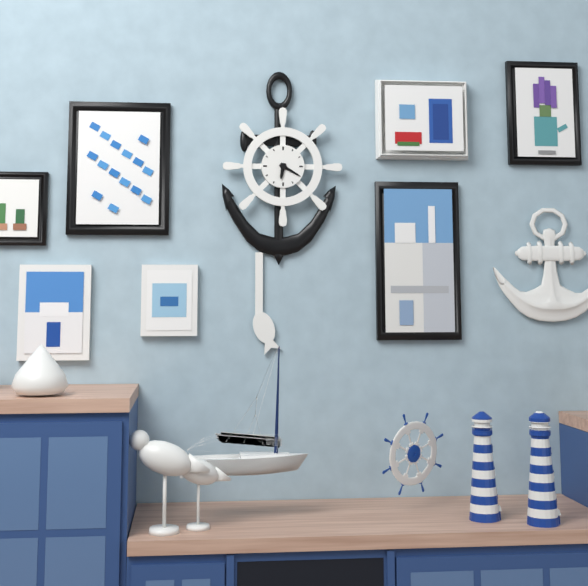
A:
h=6 m=20
